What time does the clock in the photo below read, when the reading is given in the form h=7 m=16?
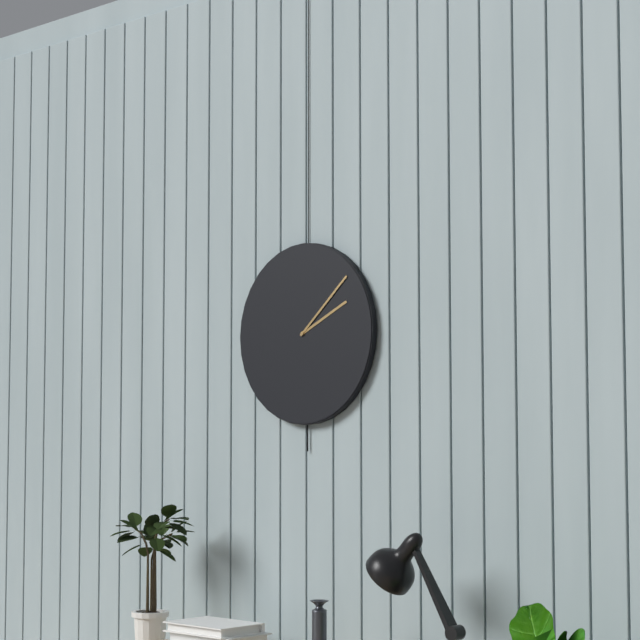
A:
h=2 m=8
